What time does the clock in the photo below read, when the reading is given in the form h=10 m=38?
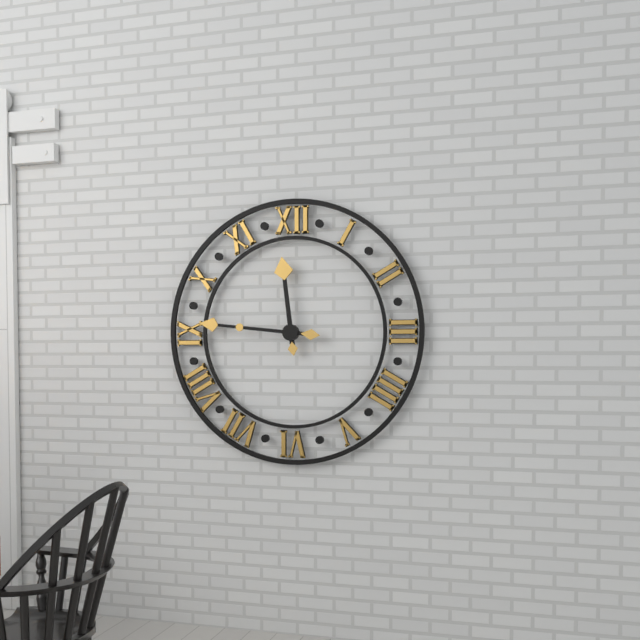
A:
h=11 m=46
